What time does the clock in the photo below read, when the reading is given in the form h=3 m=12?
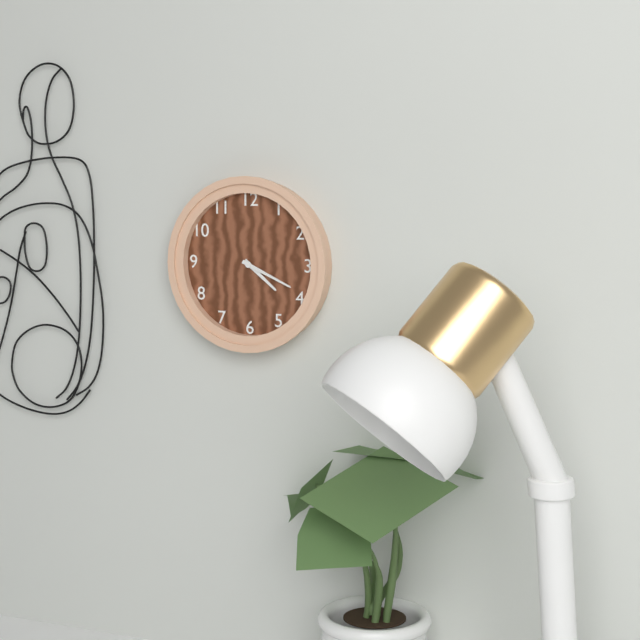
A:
h=4 m=19
